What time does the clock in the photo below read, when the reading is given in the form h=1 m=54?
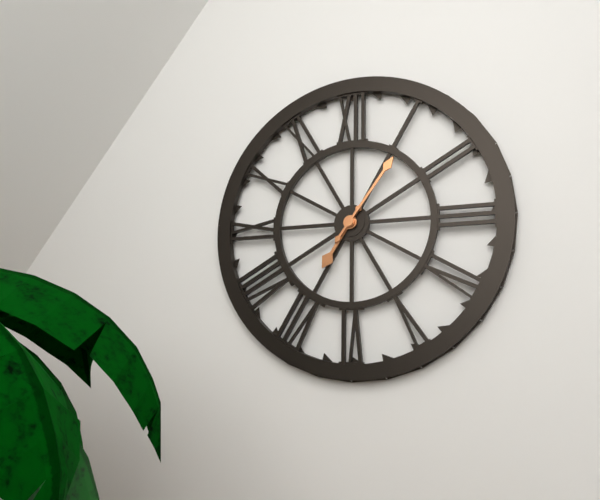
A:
h=7 m=6
